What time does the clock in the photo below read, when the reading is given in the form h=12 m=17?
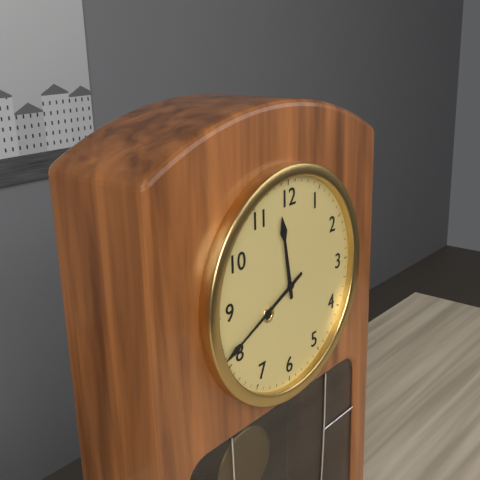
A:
h=11 m=41
